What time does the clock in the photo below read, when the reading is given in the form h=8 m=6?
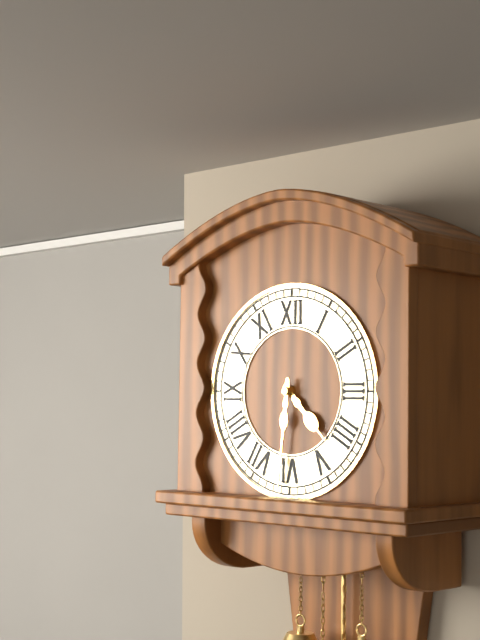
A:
h=4 m=31
